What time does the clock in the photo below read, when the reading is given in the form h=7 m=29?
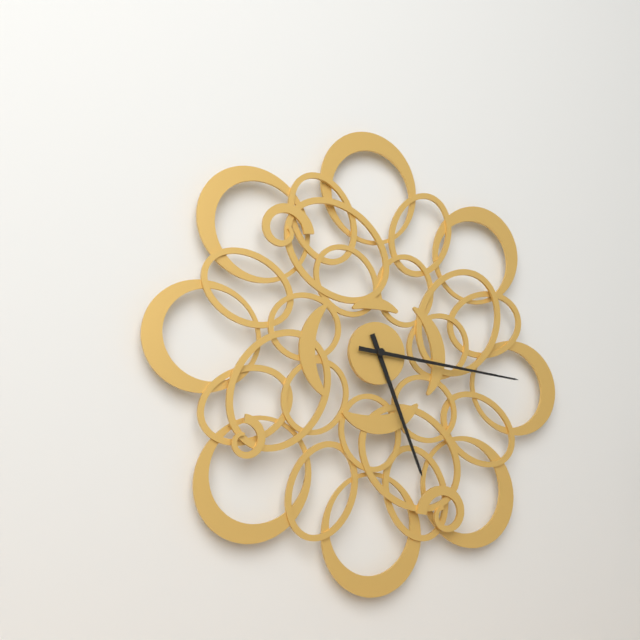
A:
h=5 m=16
